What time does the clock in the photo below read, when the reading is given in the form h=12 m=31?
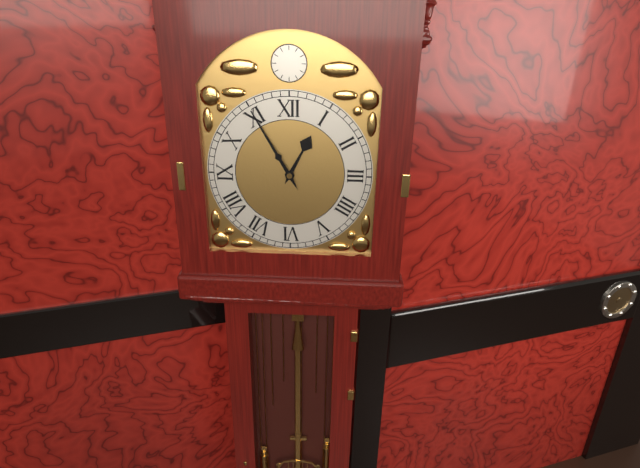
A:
h=12 m=55
